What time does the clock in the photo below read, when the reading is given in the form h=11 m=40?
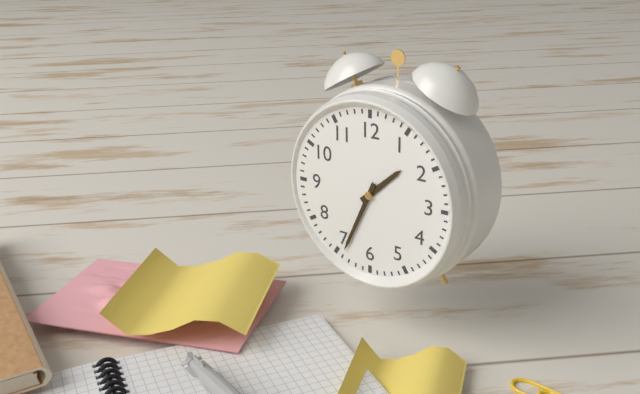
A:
h=1 m=34
